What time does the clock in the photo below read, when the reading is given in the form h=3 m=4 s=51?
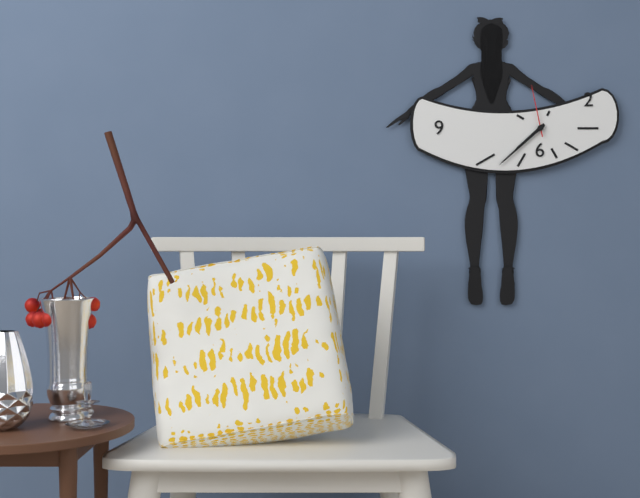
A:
h=7 m=38 s=58
